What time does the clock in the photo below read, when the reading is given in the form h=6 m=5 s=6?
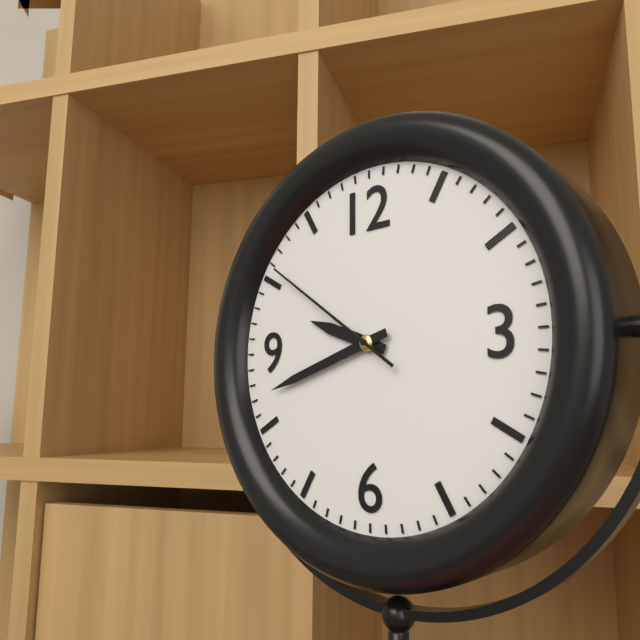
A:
h=9 m=42 s=51
